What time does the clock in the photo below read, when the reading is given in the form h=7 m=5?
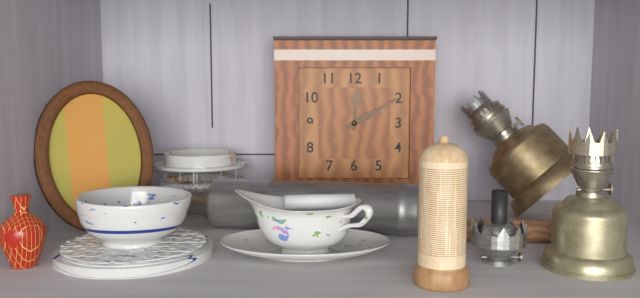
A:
h=12 m=10
